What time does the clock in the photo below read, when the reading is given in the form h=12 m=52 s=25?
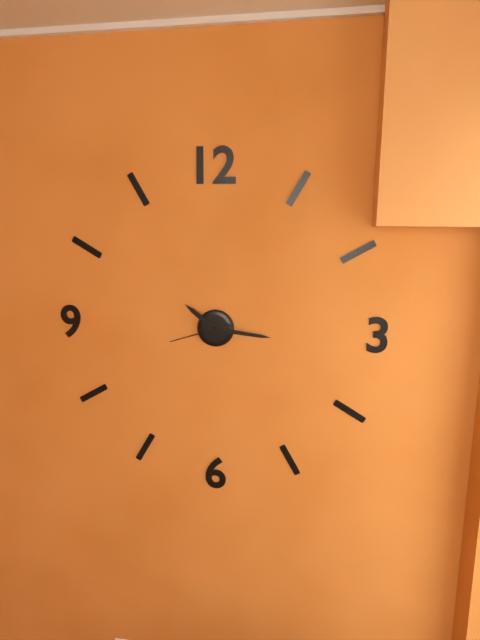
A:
h=10 m=16 s=42
